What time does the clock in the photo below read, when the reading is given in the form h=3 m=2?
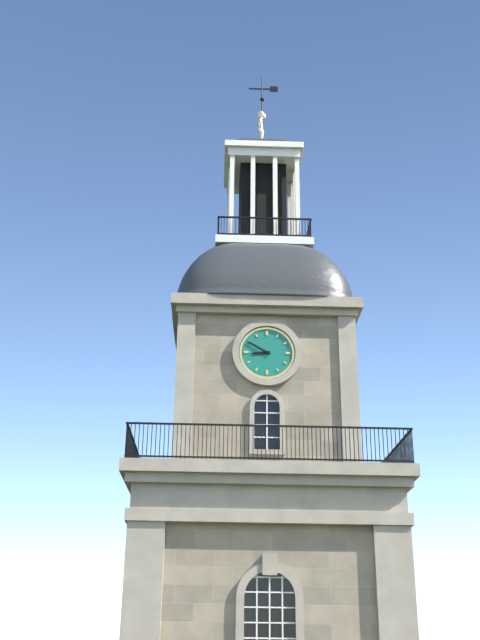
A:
h=8 m=50
